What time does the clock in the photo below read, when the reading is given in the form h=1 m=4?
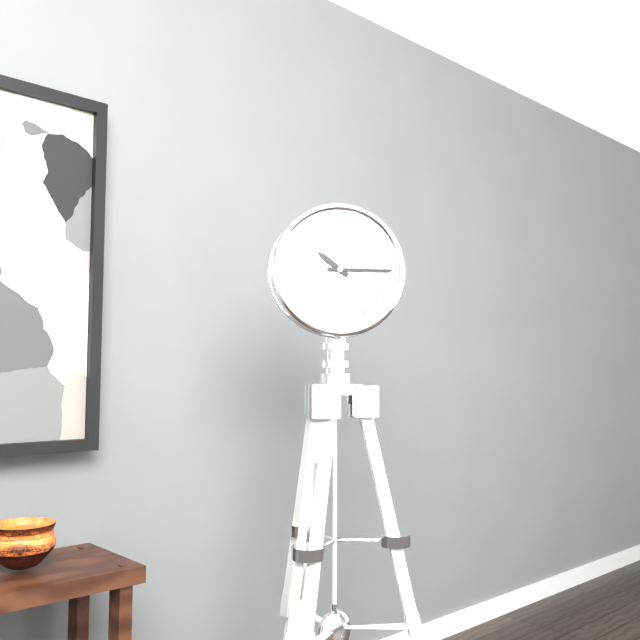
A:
h=10 m=15
